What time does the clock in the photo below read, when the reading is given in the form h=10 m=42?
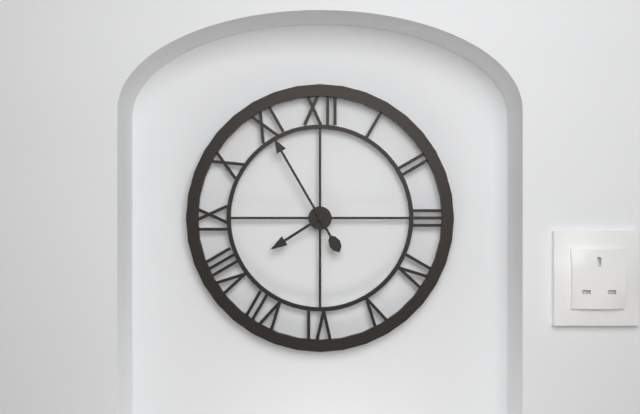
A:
h=7 m=55
